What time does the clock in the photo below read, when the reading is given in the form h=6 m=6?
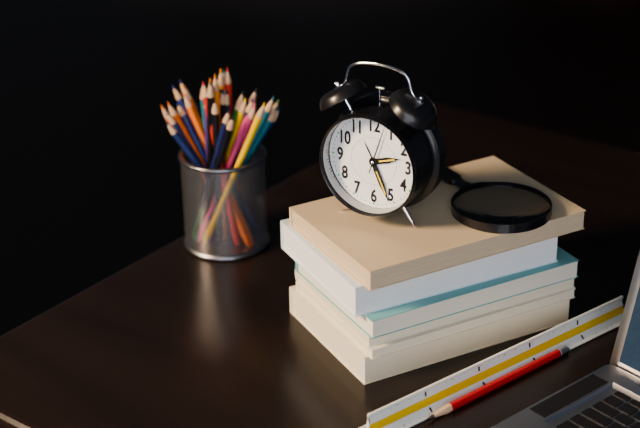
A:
h=2 m=26
